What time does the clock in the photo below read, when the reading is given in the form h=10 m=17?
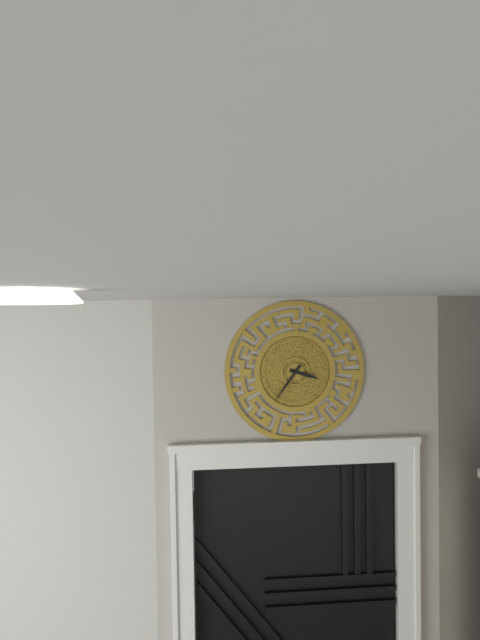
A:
h=3 m=36
